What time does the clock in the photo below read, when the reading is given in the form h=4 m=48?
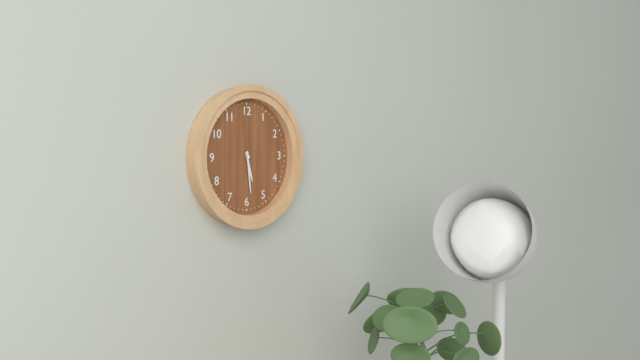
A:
h=5 m=29
